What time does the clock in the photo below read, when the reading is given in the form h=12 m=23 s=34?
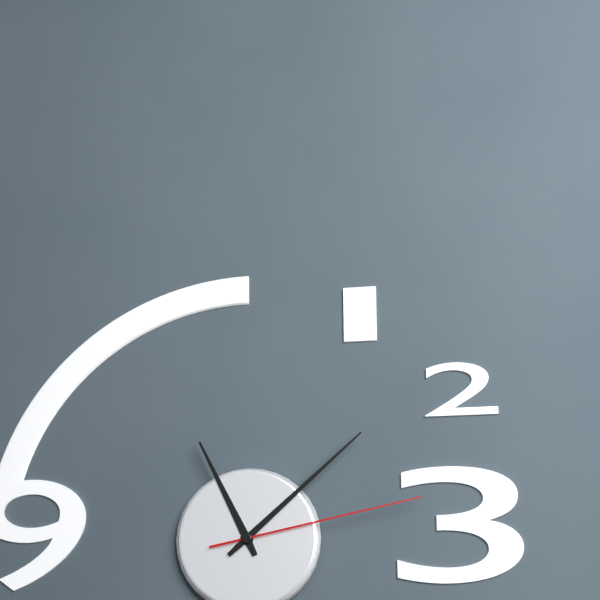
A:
h=11 m=8 s=13
